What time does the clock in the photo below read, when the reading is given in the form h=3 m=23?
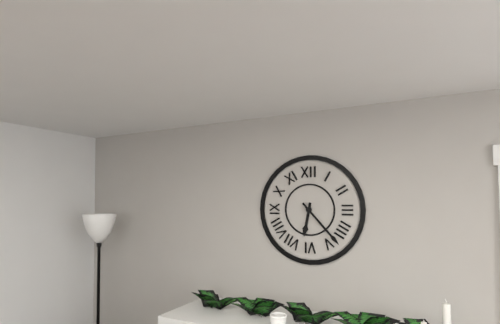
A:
h=6 m=23
